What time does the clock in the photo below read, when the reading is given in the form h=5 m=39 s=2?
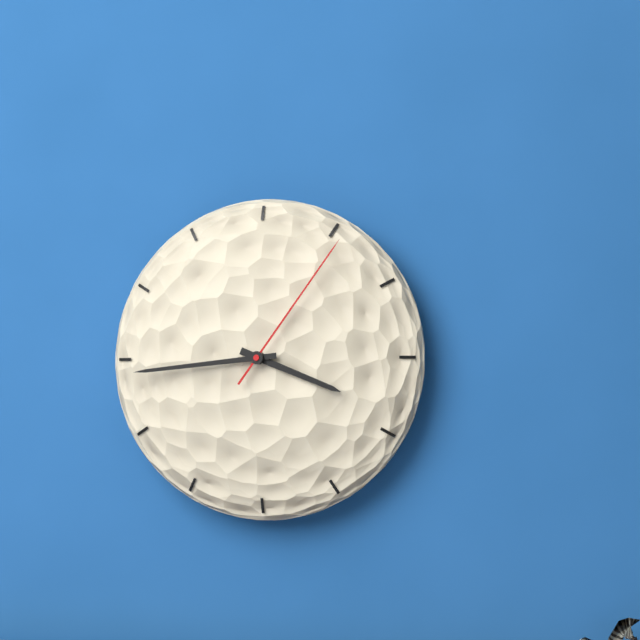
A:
h=3 m=44 s=6
